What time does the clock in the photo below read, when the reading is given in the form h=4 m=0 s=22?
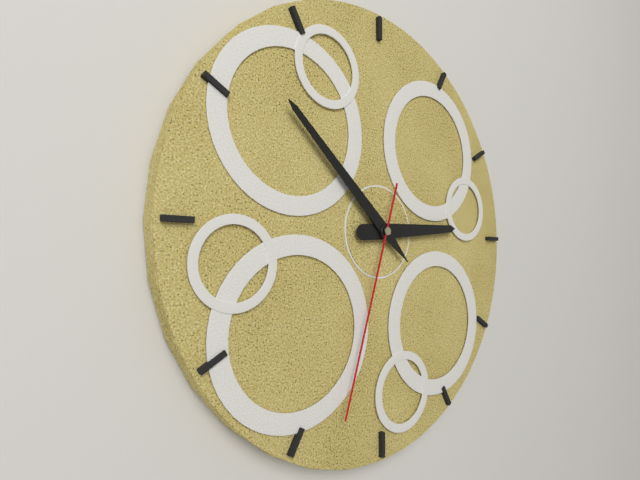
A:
h=2 m=52 s=33
